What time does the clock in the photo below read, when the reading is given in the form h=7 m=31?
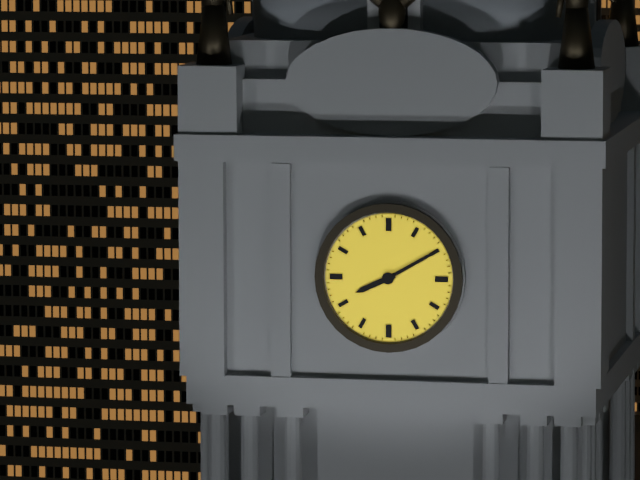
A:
h=8 m=10
